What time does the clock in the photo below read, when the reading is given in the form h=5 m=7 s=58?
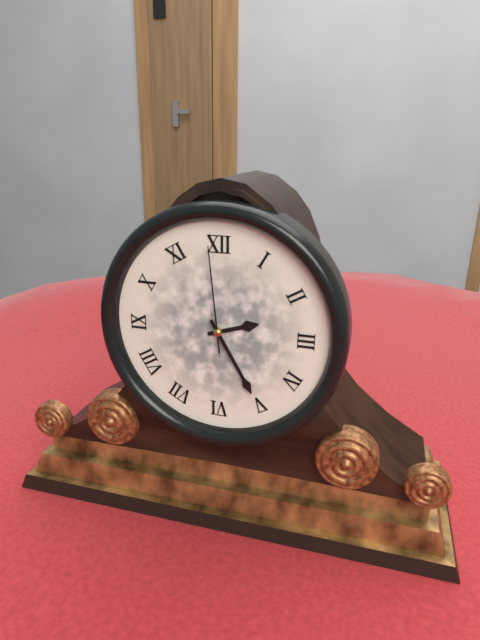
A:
h=2 m=25 s=59
